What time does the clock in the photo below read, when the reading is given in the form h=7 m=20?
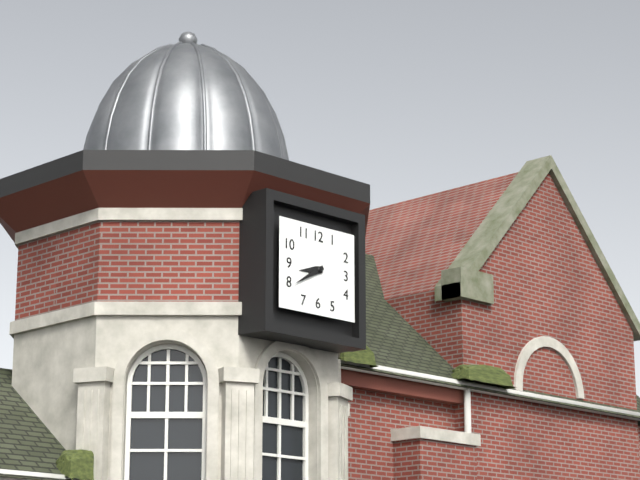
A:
h=8 m=40
